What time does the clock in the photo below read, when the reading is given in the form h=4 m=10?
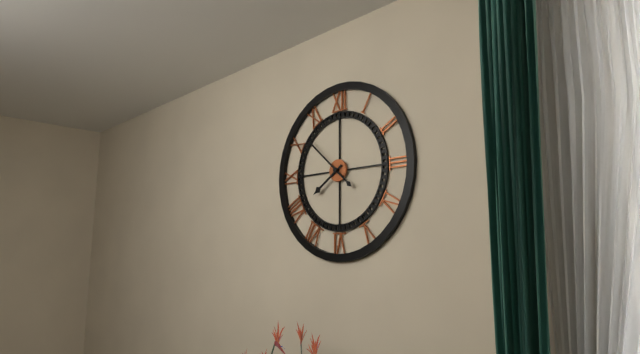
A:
h=7 m=52
